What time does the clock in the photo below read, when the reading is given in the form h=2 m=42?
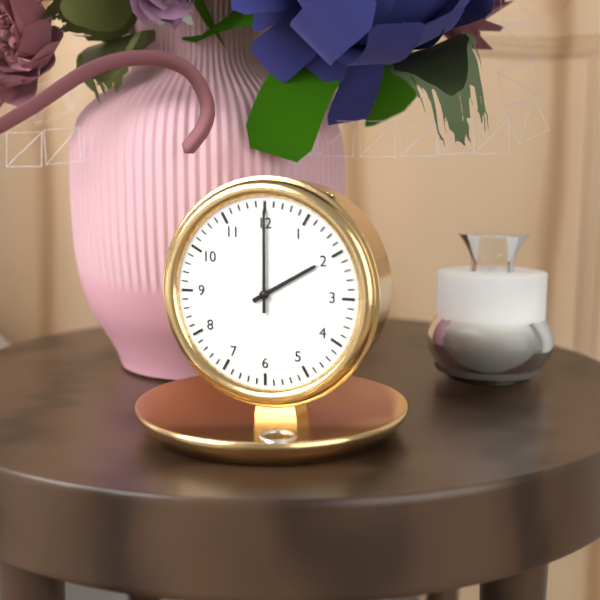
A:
h=2 m=0
